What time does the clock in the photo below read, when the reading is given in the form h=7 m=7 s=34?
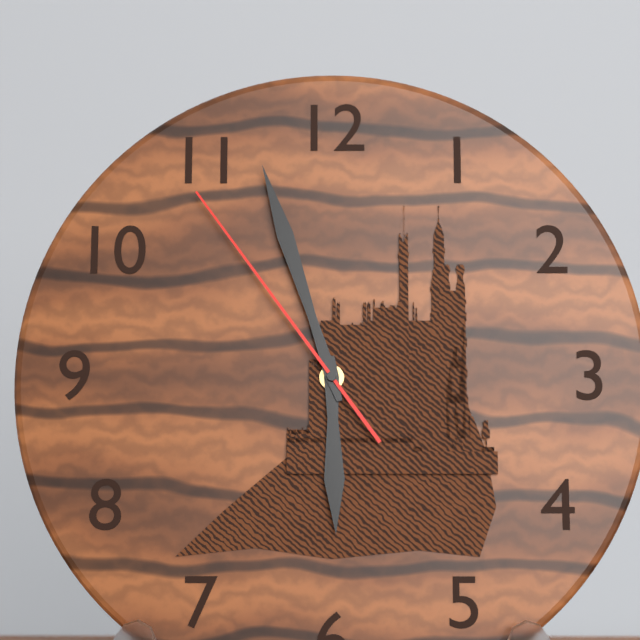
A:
h=5 m=57 s=54
